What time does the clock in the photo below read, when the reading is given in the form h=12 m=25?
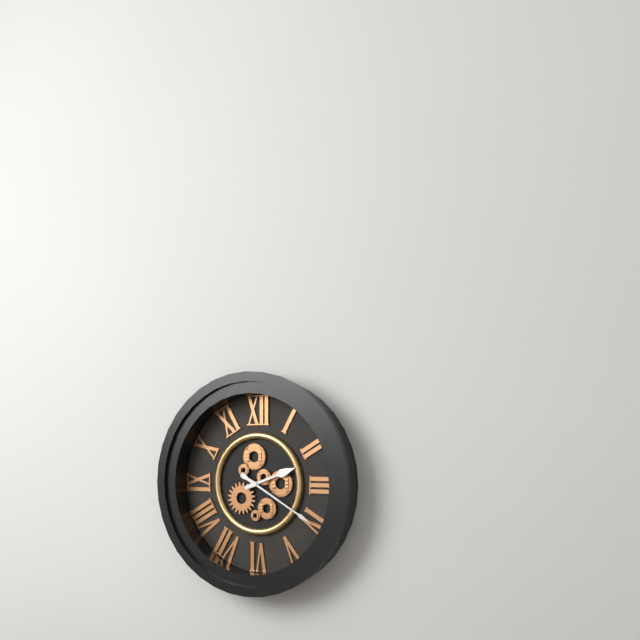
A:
h=2 m=20
